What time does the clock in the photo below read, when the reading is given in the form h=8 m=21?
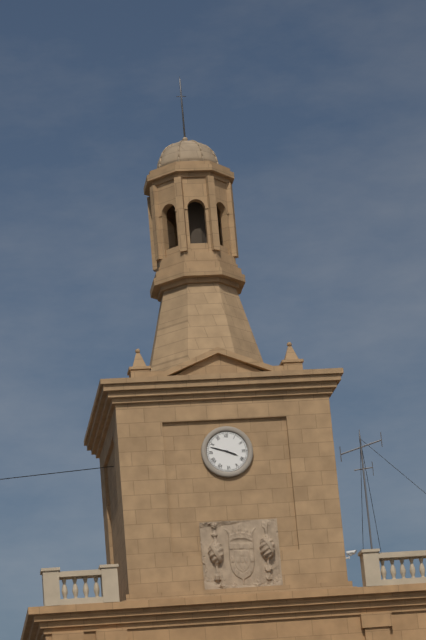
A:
h=3 m=48
